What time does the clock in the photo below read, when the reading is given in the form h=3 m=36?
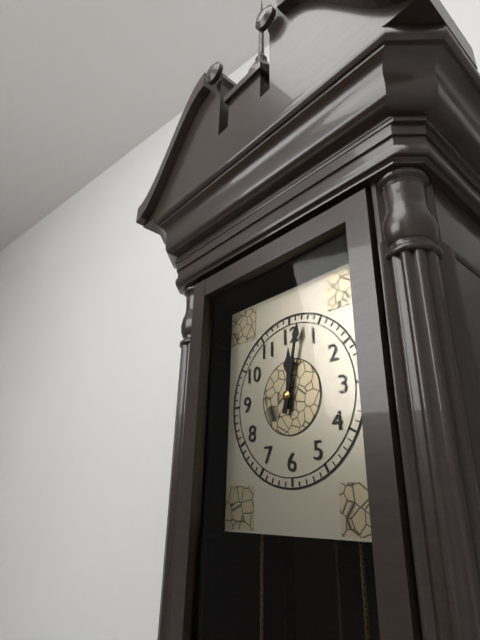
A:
h=12 m=2
